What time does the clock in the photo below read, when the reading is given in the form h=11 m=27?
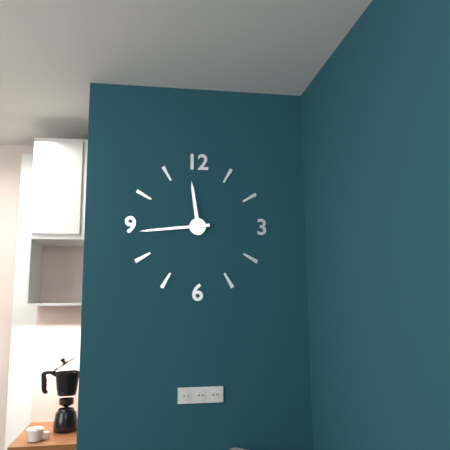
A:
h=11 m=44
